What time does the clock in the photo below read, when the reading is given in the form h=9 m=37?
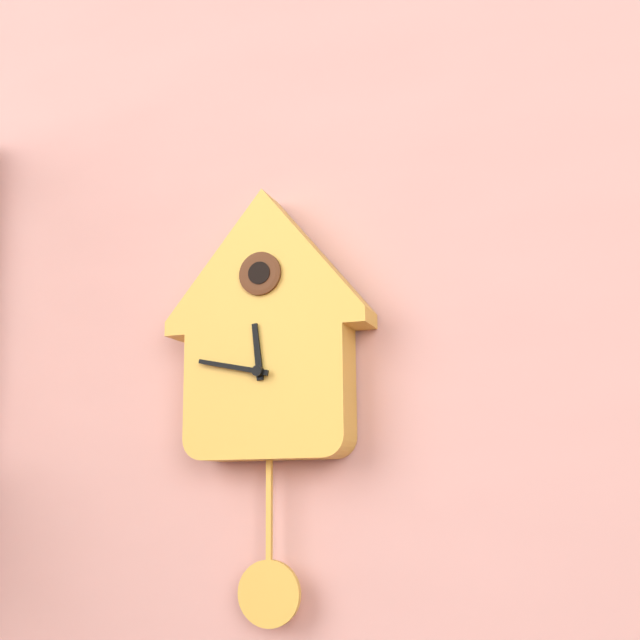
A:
h=11 m=47
